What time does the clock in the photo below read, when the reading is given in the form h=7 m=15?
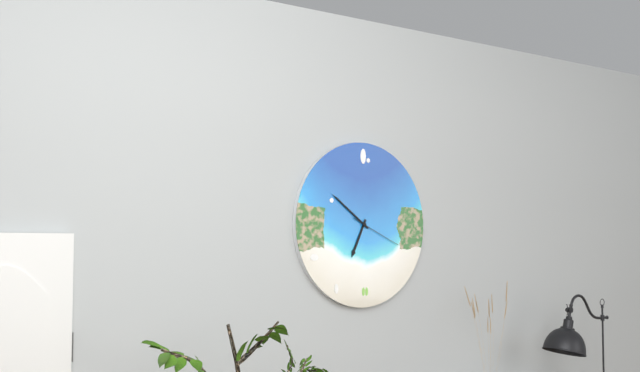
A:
h=6 m=51
